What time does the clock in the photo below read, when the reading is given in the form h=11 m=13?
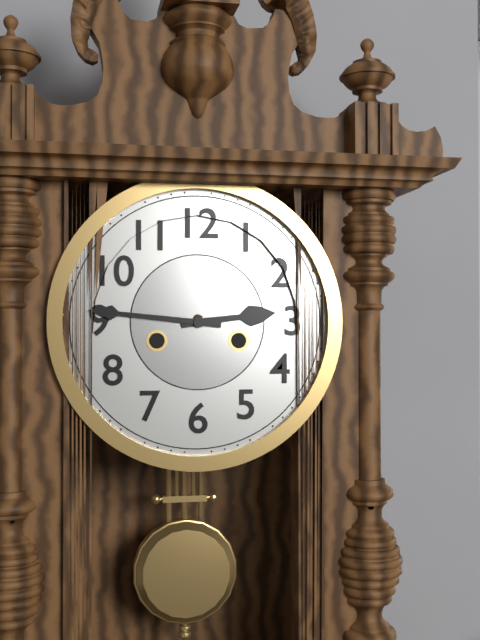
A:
h=2 m=46
